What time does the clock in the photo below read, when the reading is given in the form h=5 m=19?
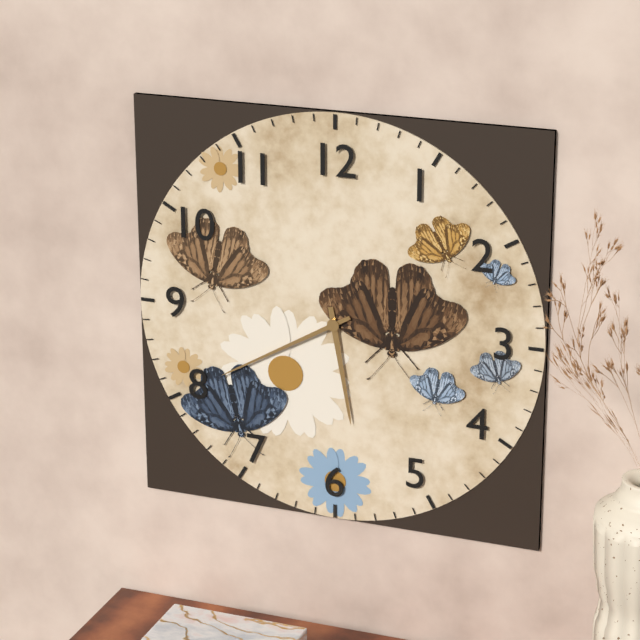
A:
h=5 m=40
